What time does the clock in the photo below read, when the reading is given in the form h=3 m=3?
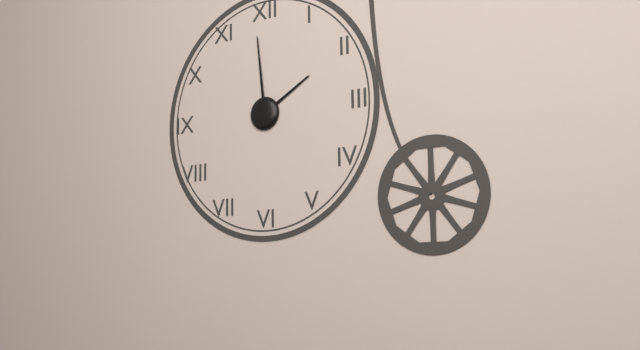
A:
h=1 m=59
